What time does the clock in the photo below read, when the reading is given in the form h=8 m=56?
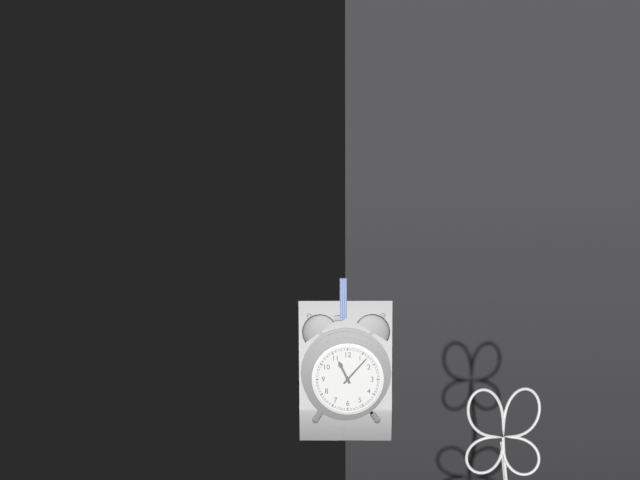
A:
h=11 m=7
